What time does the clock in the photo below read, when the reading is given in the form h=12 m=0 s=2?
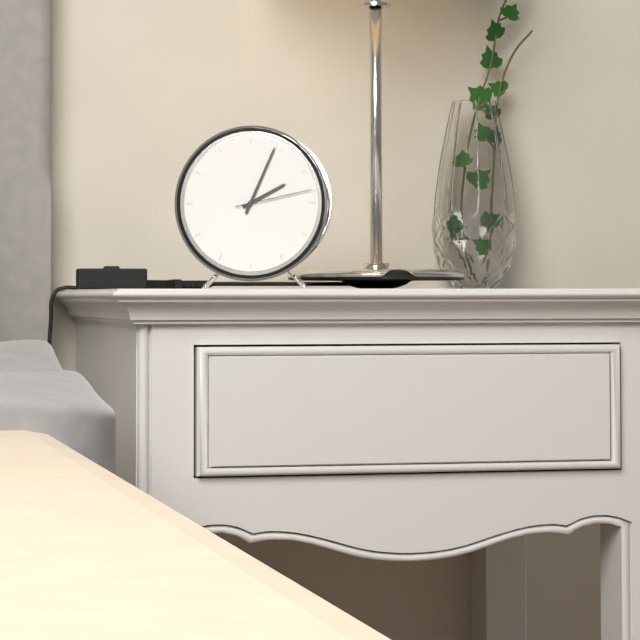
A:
h=2 m=4 s=13
